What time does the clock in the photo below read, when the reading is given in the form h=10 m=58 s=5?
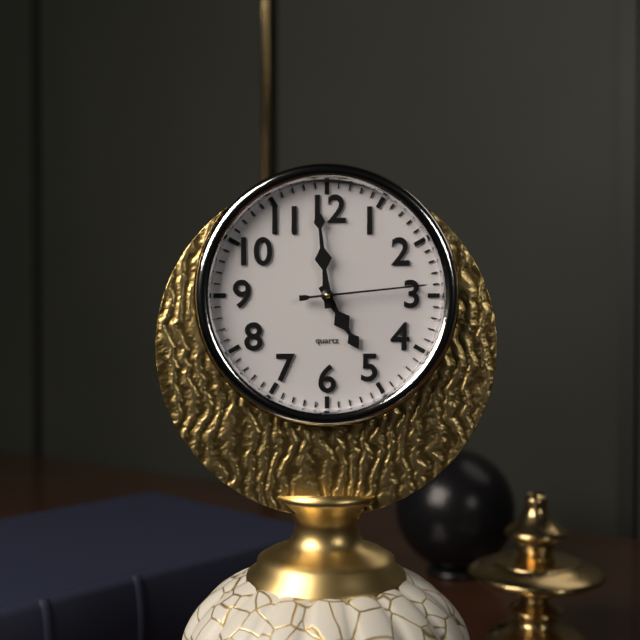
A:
h=4 m=59 s=14
